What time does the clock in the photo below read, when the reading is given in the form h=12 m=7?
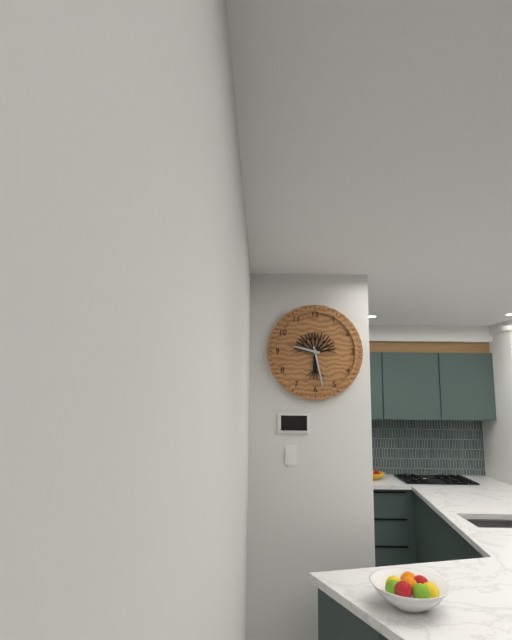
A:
h=9 m=28
